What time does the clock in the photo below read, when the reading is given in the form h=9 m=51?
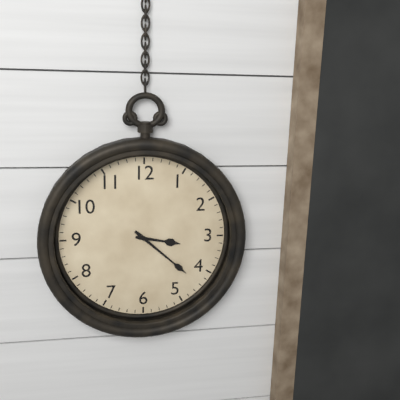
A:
h=3 m=22
